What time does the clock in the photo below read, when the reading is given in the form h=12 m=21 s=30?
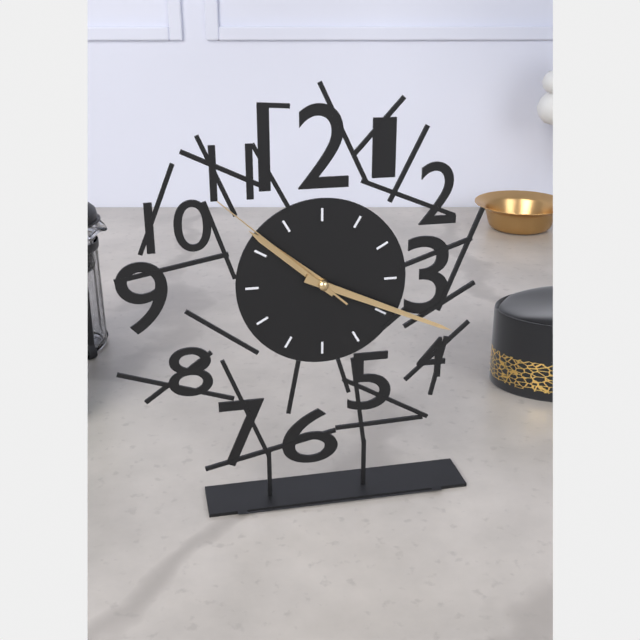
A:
h=10 m=19 s=52
